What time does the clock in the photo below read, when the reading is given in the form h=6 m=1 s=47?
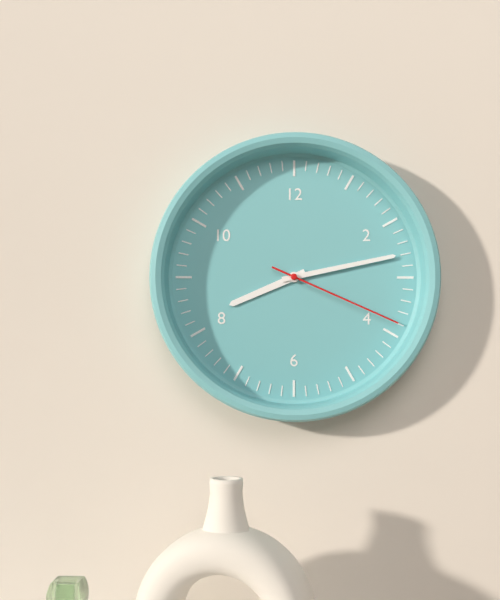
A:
h=8 m=13 s=19
